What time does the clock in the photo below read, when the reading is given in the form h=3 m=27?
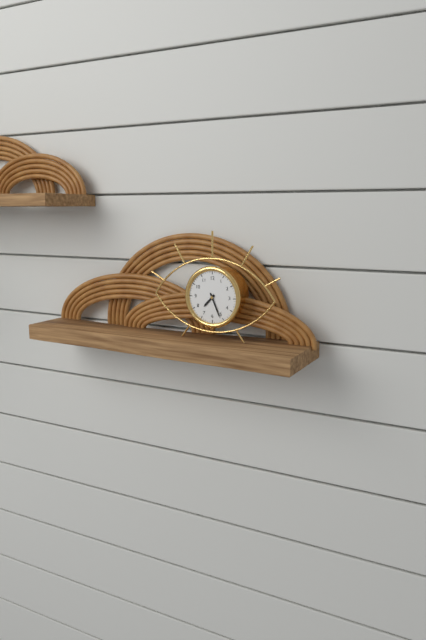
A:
h=7 m=26
